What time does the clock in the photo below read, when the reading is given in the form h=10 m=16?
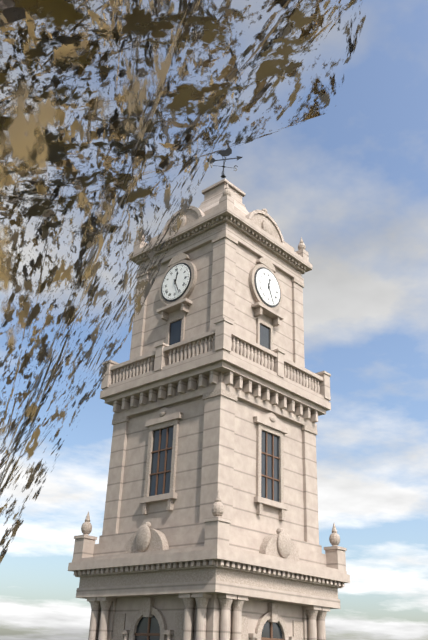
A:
h=12 m=26
